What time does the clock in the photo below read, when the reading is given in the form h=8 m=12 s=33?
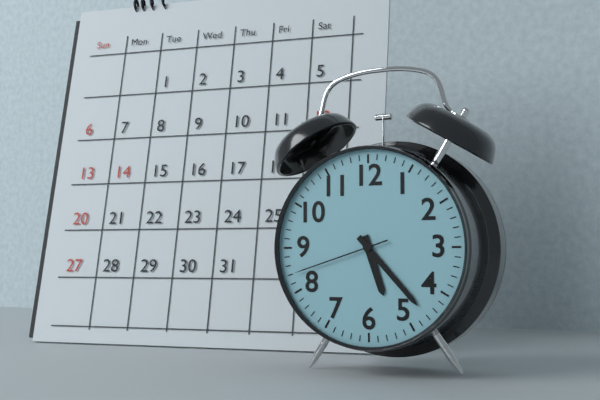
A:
h=5 m=23 s=42
